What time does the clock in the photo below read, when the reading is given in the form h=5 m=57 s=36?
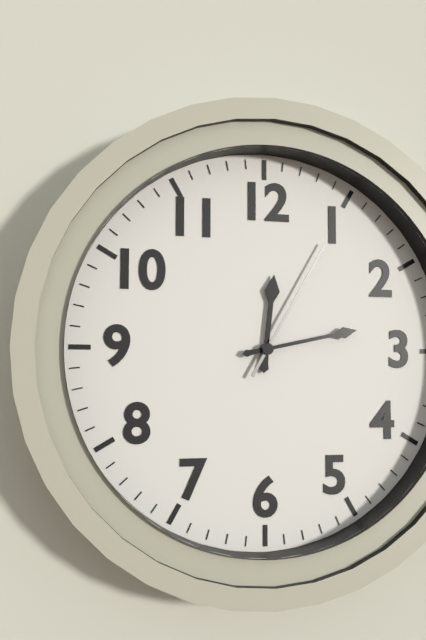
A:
h=12 m=13 s=5
